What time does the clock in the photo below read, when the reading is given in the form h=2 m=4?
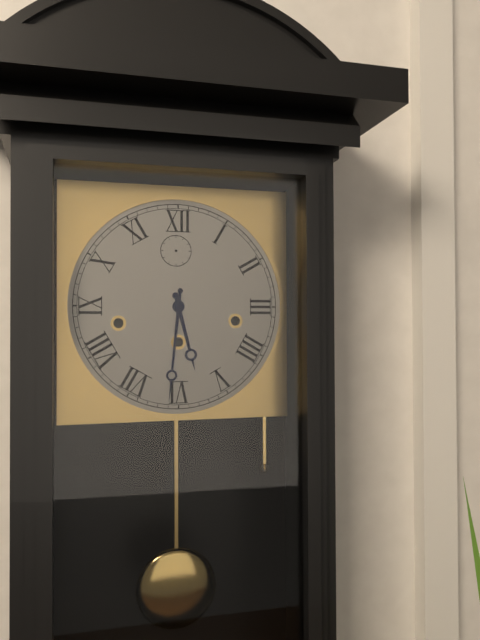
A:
h=5 m=31
